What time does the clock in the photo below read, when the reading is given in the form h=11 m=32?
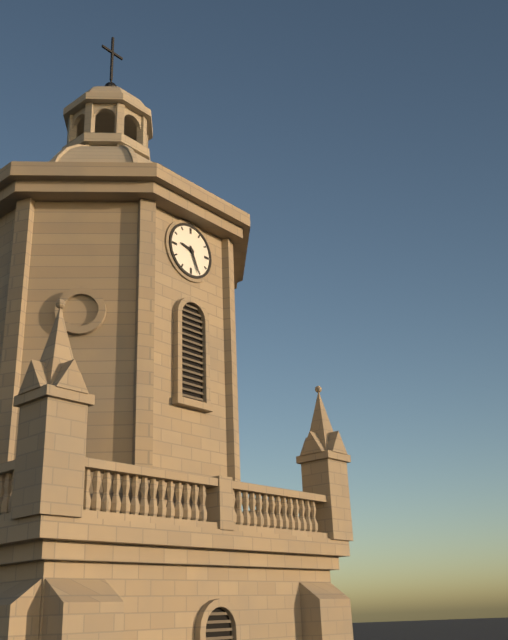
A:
h=9 m=26
